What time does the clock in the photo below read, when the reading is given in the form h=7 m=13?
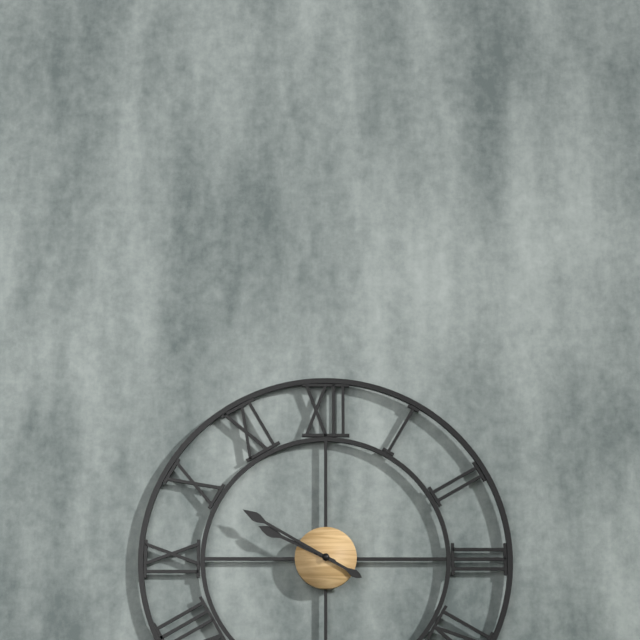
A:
h=9 m=50
